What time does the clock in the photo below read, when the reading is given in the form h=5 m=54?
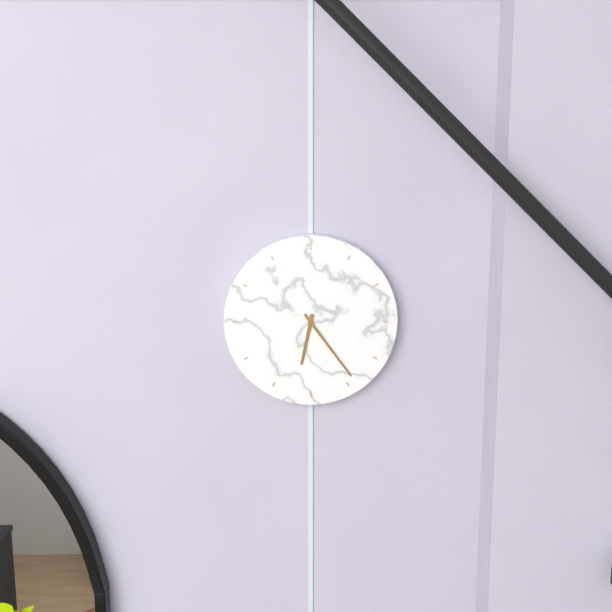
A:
h=6 m=24
